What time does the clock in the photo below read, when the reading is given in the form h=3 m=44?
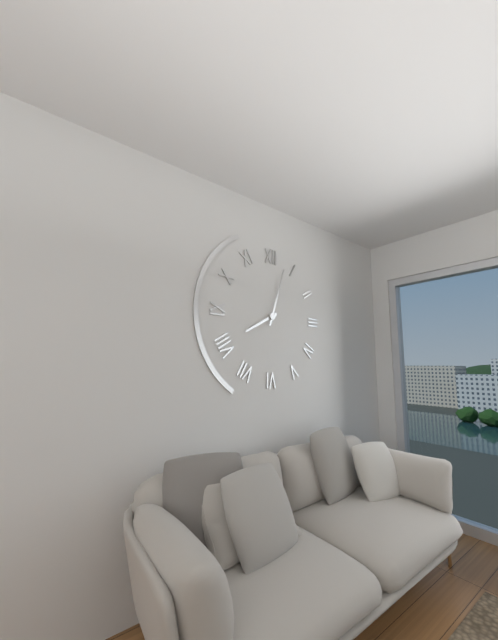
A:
h=8 m=3
